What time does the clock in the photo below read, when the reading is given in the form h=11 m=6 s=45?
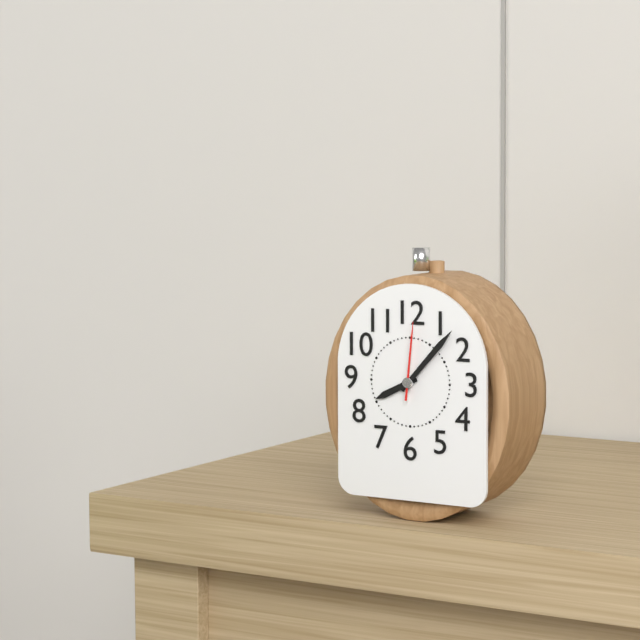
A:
h=8 m=7 s=1
